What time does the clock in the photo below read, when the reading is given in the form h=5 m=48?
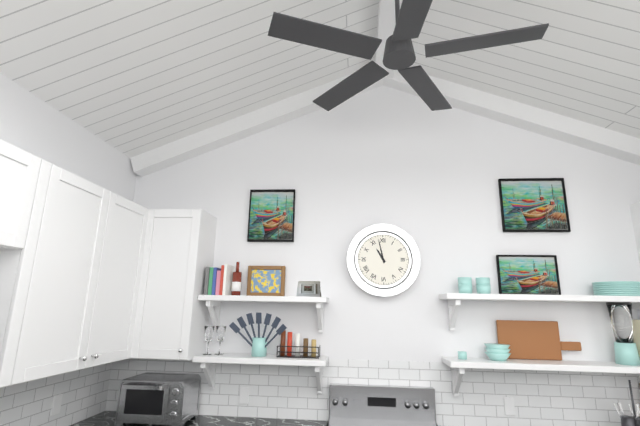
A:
h=10 m=58
